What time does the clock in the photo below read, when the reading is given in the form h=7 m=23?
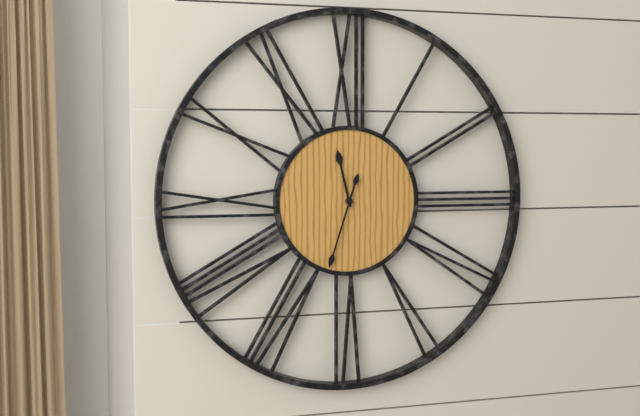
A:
h=11 m=33
